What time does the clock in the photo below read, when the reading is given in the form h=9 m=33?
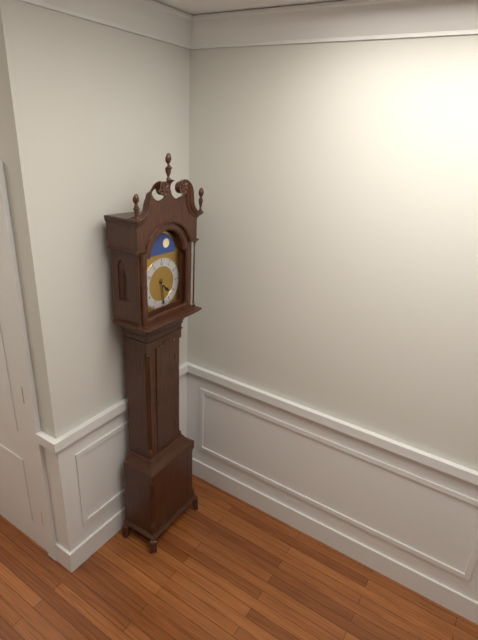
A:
h=4 m=29
